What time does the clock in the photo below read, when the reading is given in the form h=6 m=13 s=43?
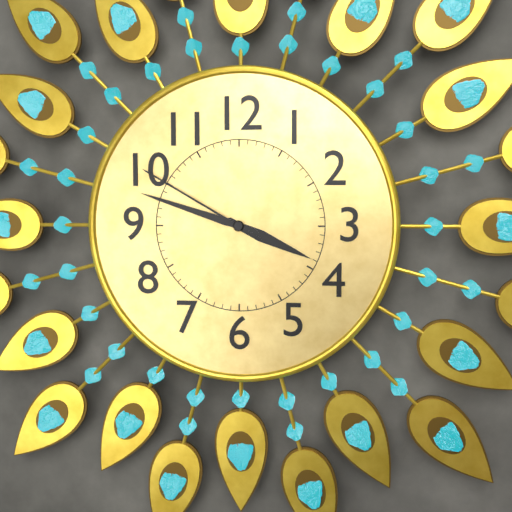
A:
h=3 m=48 s=50
